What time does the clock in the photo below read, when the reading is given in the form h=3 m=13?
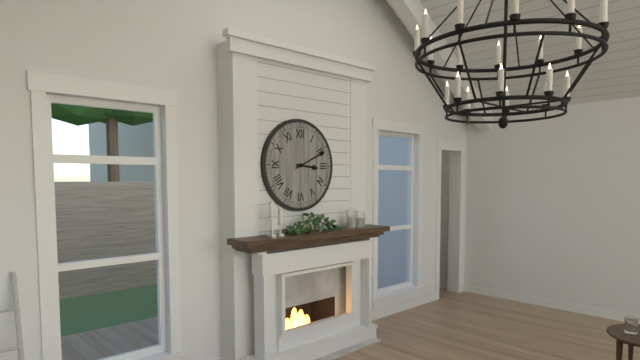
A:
h=3 m=11
